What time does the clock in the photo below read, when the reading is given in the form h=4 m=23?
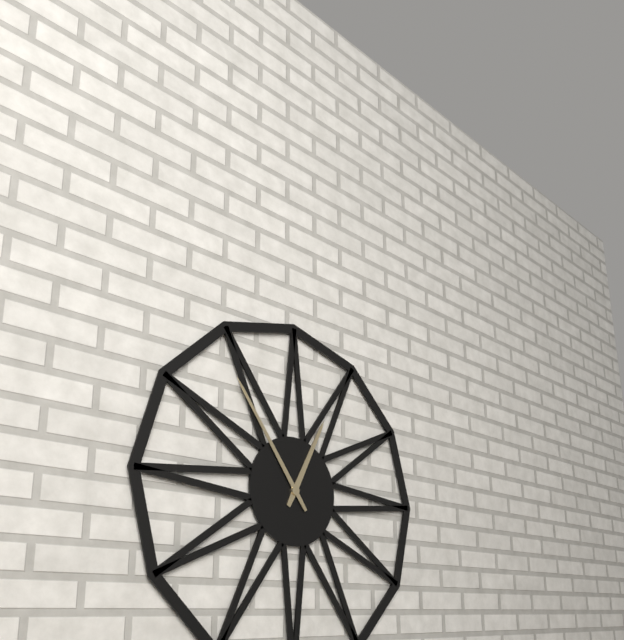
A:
h=12 m=54
